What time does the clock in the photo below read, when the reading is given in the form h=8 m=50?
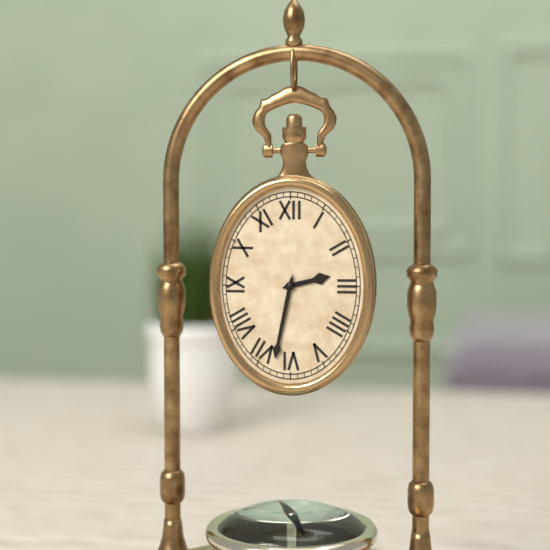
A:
h=2 m=32
